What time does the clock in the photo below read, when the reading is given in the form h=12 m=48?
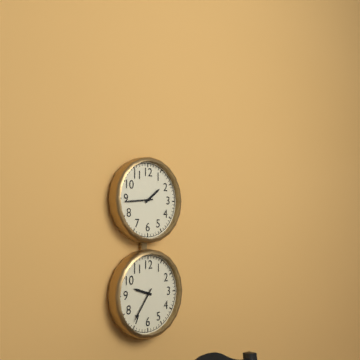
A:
h=1 m=44
